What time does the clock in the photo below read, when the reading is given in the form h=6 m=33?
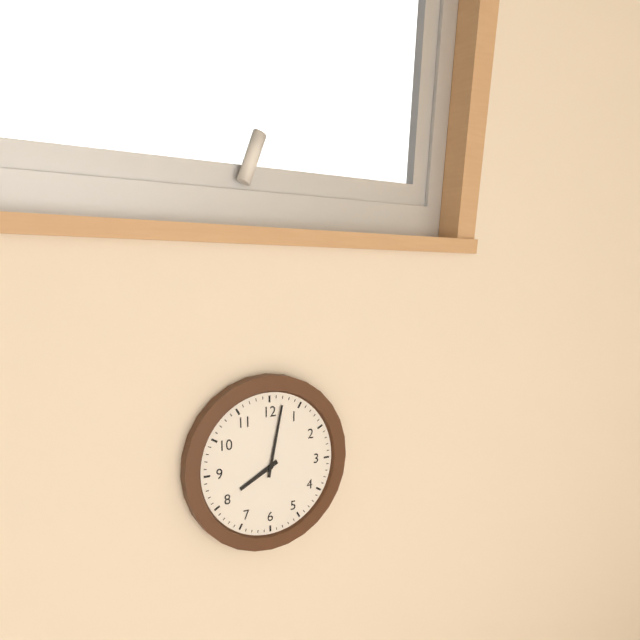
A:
h=8 m=2
